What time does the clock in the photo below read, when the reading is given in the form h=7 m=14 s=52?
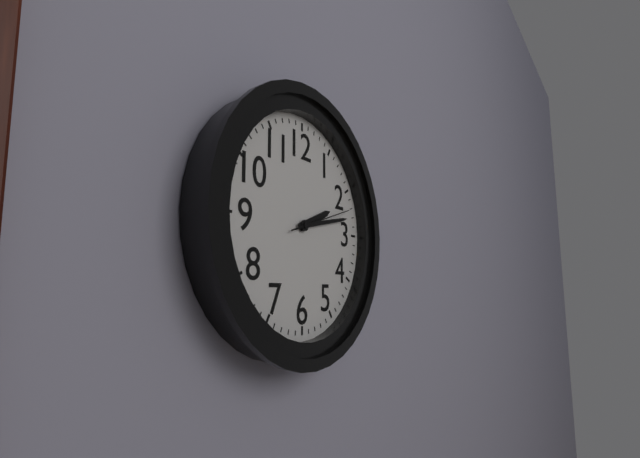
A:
h=2 m=13 s=12
